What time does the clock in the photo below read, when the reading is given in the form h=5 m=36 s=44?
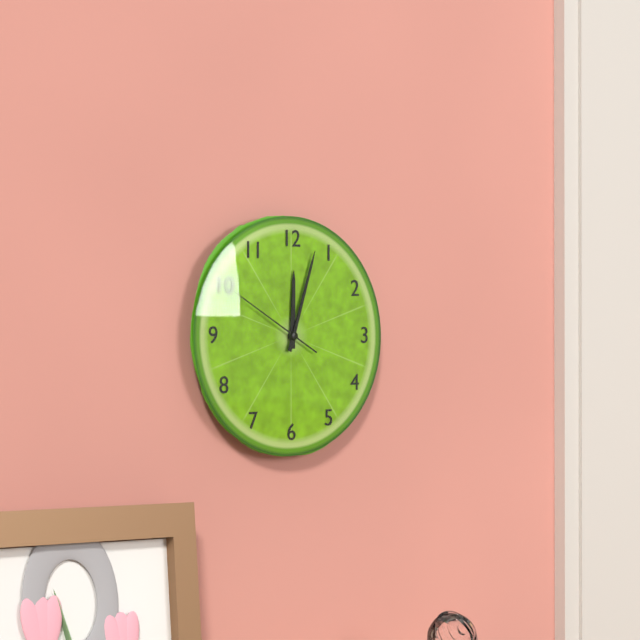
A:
h=12 m=3 s=50
